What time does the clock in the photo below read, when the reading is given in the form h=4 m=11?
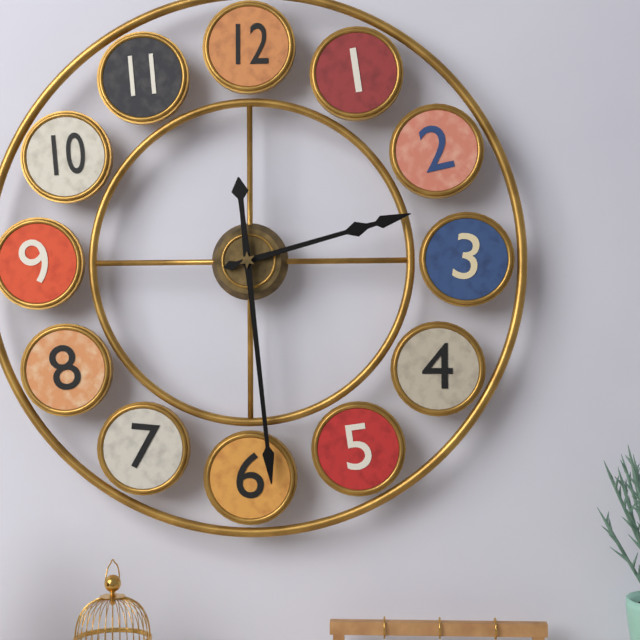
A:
h=2 m=29
